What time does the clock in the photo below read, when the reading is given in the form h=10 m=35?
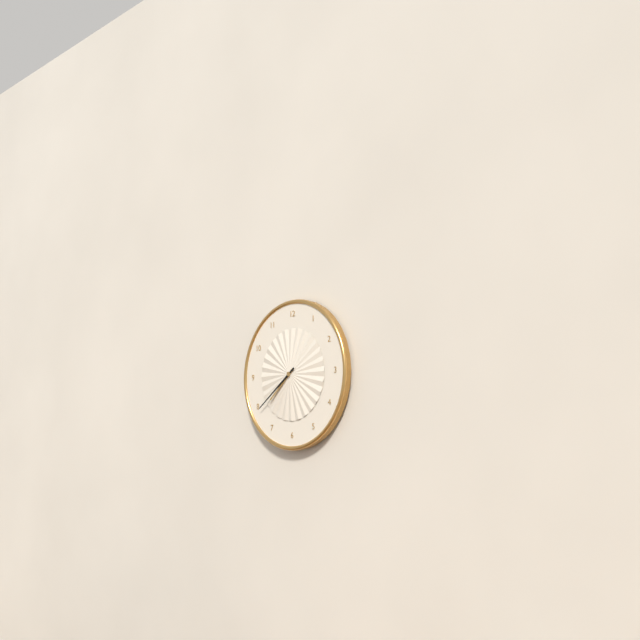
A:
h=7 m=39
